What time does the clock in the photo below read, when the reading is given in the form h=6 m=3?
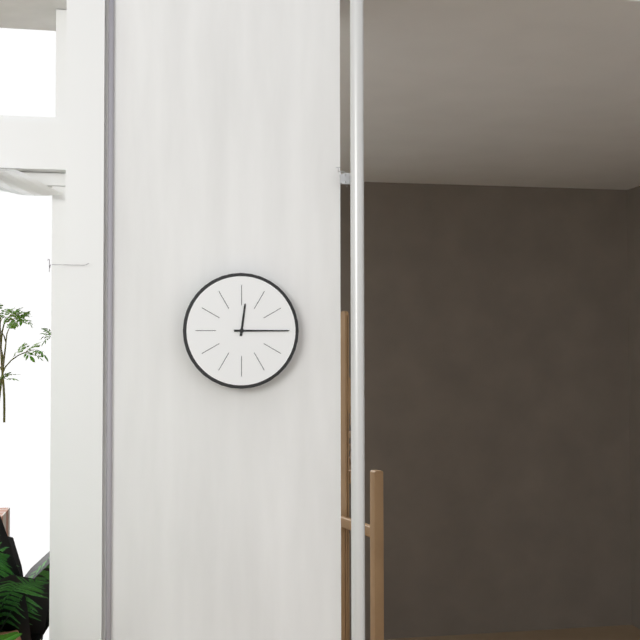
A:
h=12 m=15
